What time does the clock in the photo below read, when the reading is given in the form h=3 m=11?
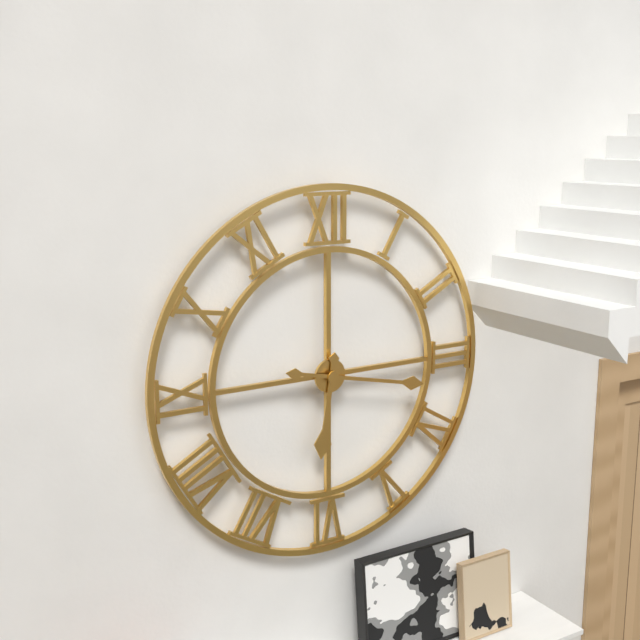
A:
h=6 m=17
